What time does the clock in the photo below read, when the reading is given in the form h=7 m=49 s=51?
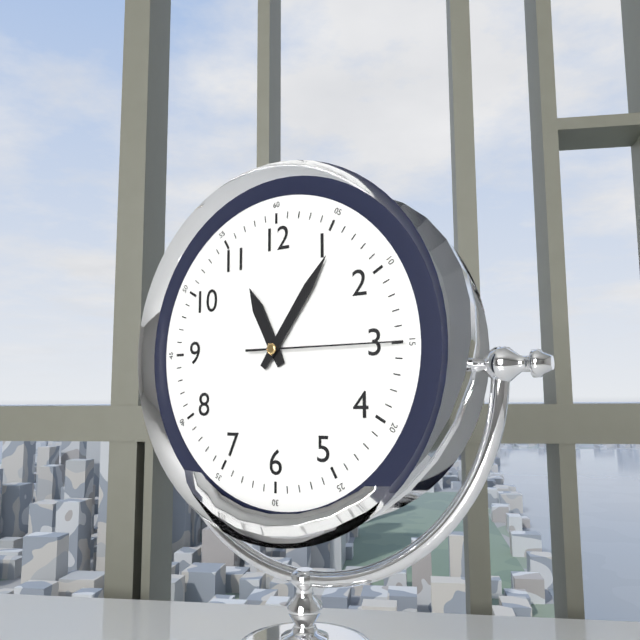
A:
h=11 m=6 s=15
